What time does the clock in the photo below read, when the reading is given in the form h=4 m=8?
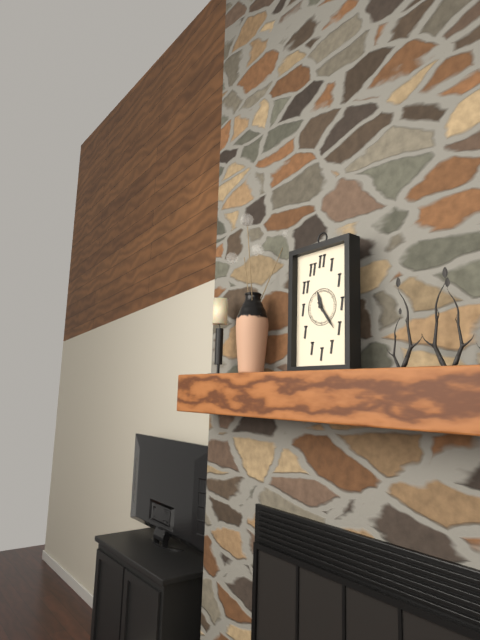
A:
h=11 m=24
